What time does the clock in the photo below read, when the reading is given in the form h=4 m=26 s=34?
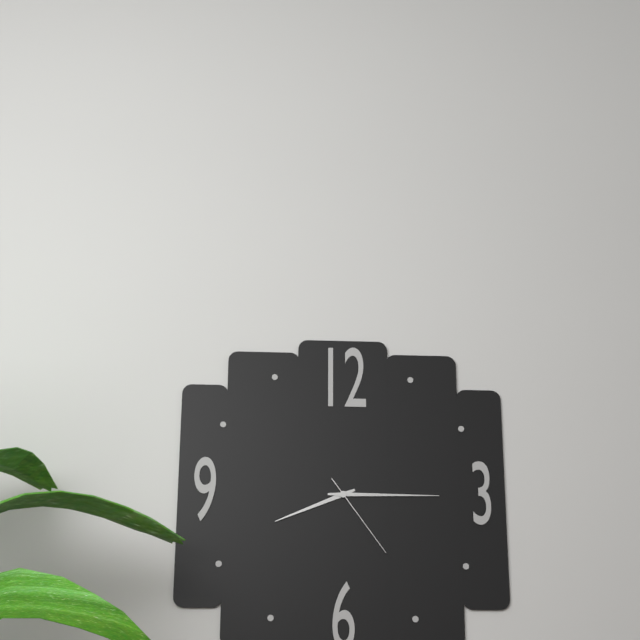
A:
h=8 m=15 s=24
